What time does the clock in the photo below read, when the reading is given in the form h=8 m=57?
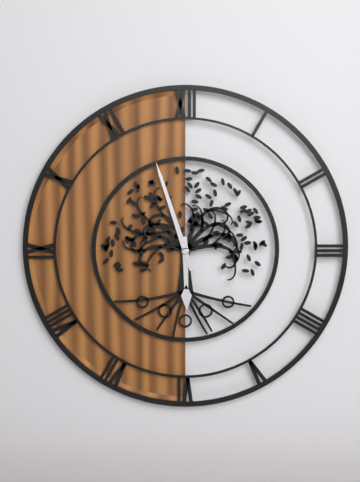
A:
h=5 m=57
